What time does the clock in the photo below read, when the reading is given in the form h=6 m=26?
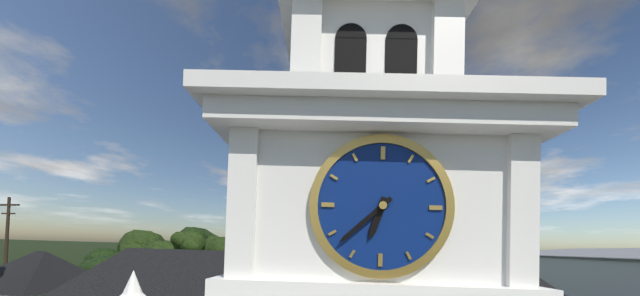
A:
h=6 m=38
